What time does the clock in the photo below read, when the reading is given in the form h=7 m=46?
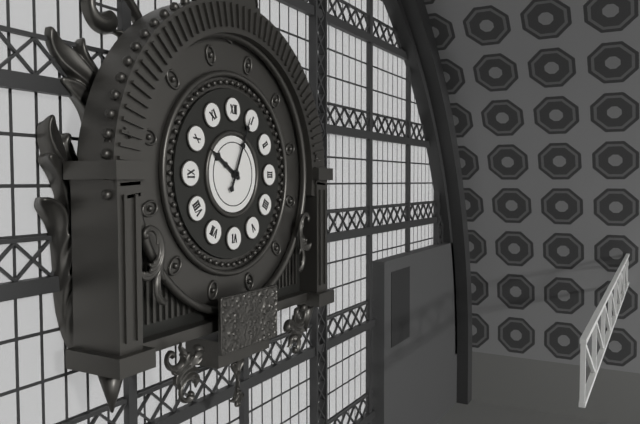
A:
h=10 m=4
